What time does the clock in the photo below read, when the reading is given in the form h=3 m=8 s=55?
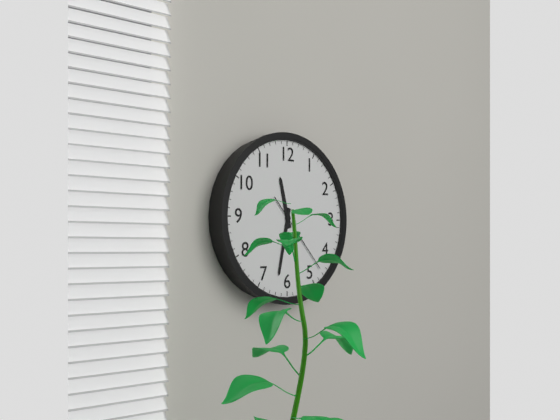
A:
h=11 m=32 s=23
